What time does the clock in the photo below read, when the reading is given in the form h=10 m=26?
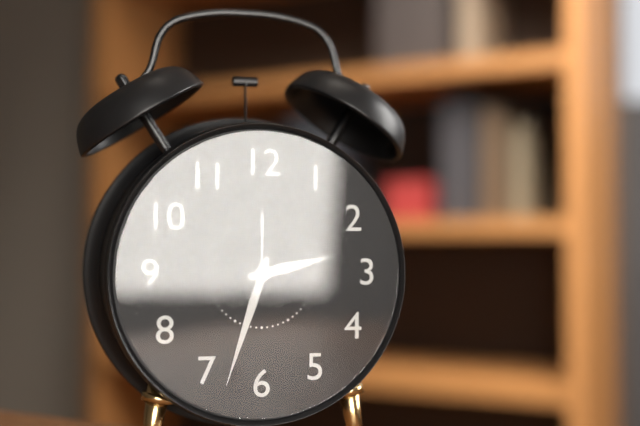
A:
h=2 m=33
